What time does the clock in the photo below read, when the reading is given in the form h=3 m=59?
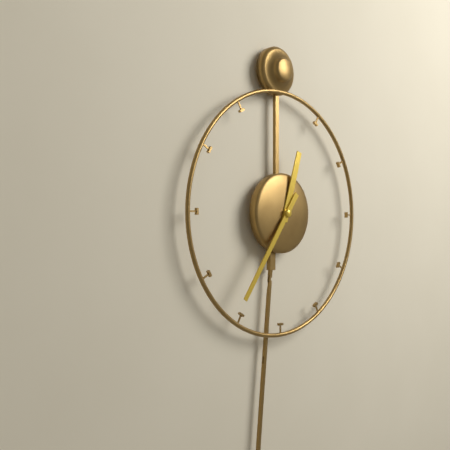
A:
h=12 m=36
